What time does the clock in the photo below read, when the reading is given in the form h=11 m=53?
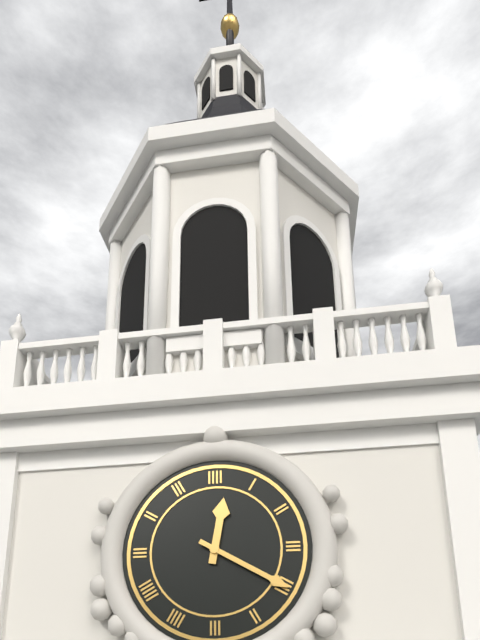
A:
h=12 m=20
